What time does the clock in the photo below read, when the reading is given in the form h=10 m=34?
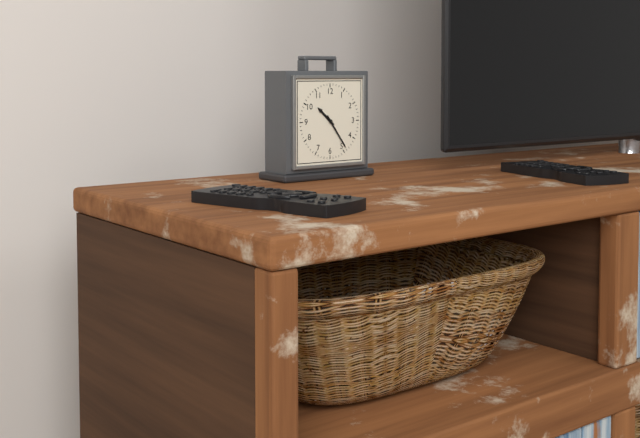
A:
h=10 m=24
